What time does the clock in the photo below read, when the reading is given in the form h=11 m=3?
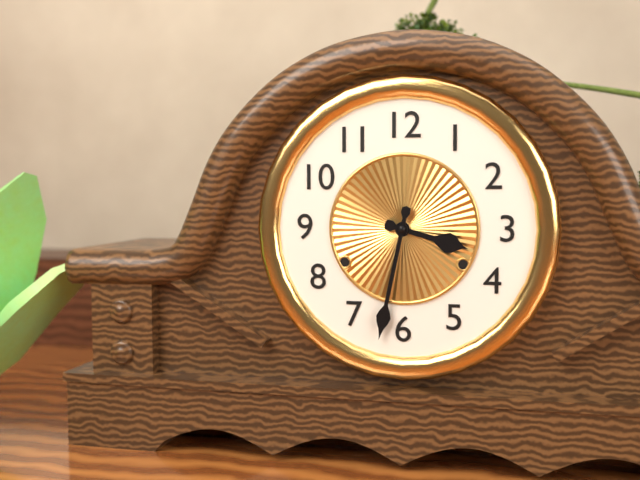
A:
h=3 m=32
